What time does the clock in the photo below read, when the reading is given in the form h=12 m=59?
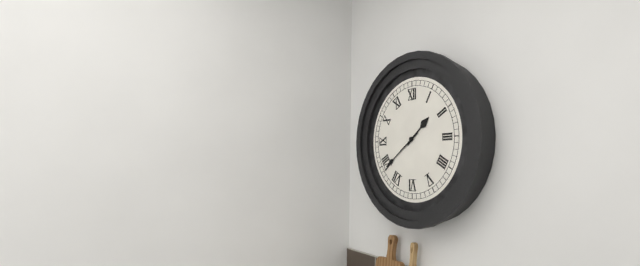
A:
h=1 m=39
